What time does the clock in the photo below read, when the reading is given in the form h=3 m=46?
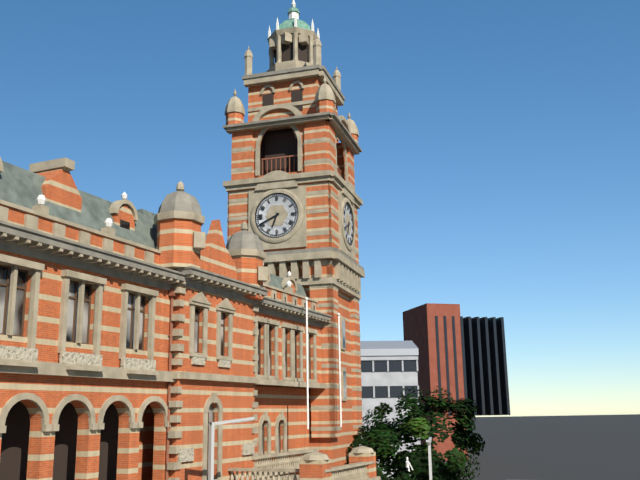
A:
h=6 m=41
